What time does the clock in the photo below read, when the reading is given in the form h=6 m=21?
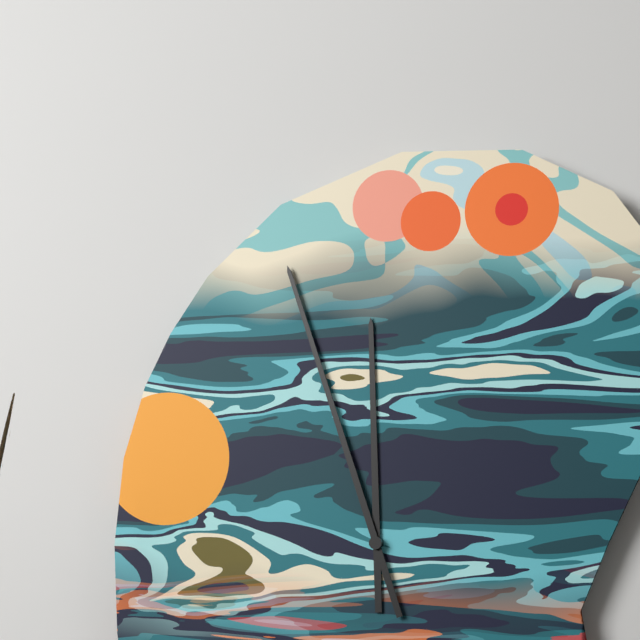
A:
h=11 m=57
